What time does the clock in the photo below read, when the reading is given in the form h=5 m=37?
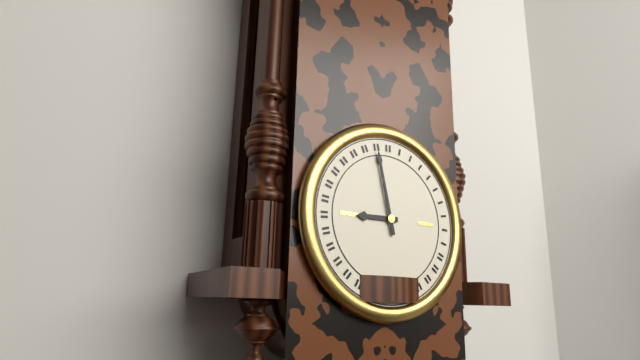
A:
h=8 m=58
